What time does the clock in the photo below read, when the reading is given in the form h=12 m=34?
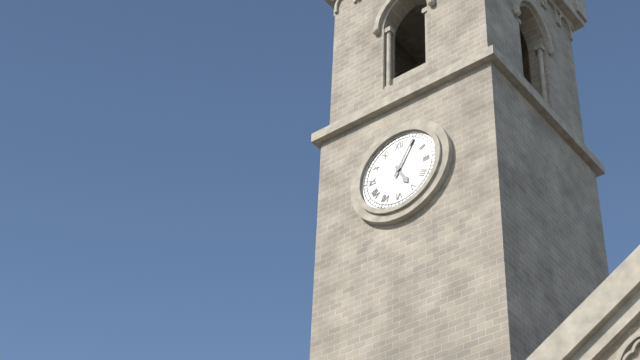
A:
h=5 m=5
